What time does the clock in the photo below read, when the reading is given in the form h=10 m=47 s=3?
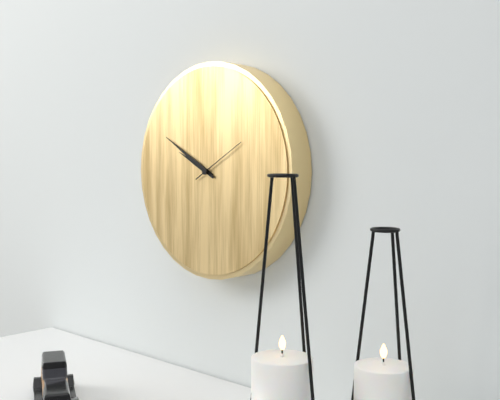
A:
h=9 m=50 s=10
